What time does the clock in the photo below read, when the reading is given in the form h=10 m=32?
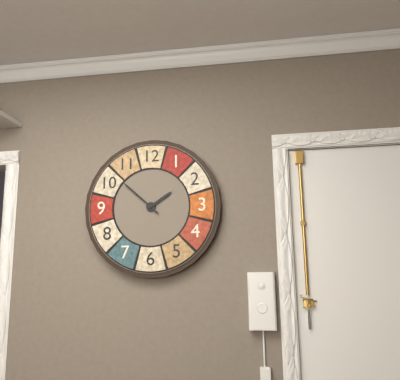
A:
h=1 m=52
